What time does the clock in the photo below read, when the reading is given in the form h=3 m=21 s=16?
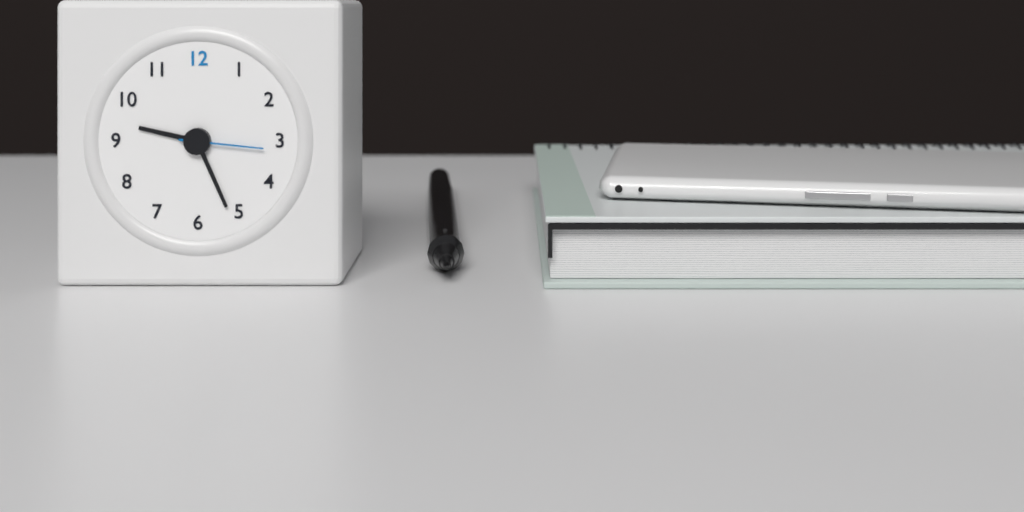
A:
h=9 m=26 s=16
